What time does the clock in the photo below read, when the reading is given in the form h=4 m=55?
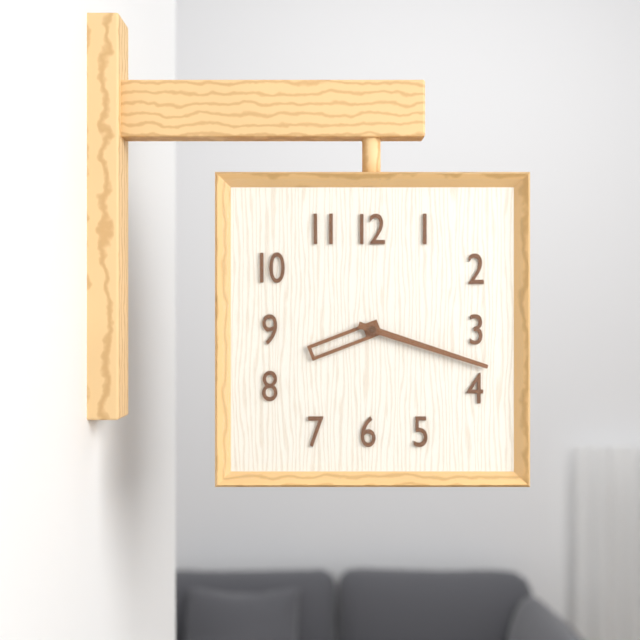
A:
h=8 m=18
